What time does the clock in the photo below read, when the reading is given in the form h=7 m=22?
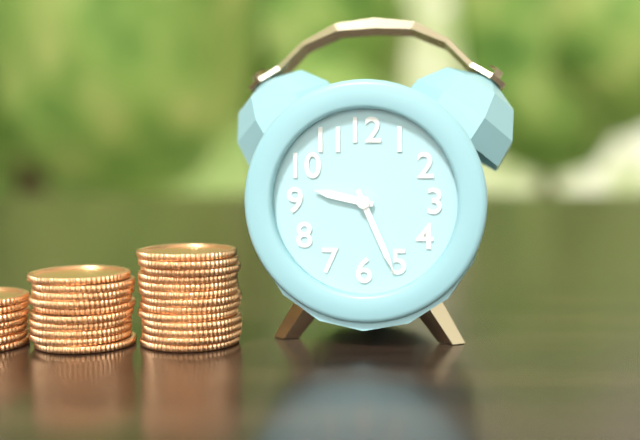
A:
h=9 m=26
